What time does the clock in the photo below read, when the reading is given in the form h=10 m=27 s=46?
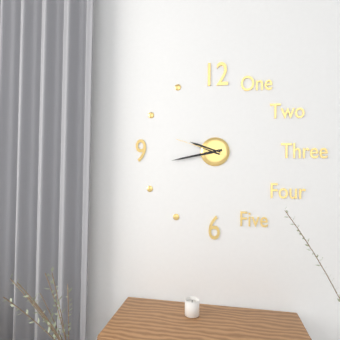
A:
h=9 m=43 s=48
